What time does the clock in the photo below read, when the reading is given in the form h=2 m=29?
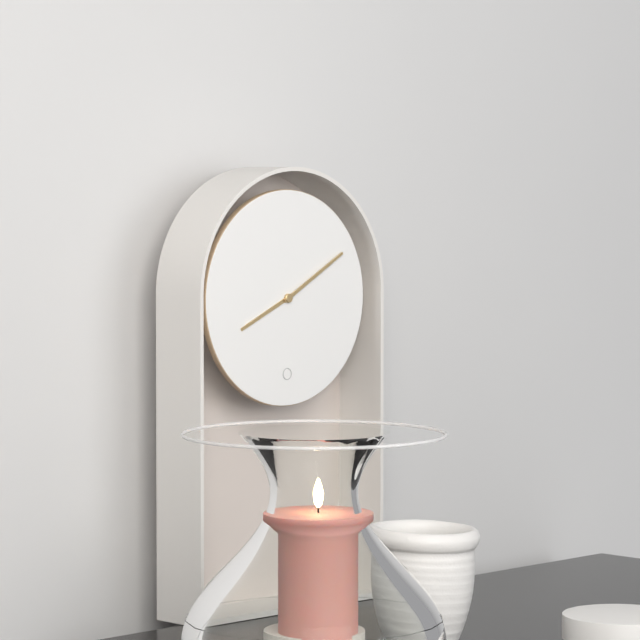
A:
h=8 m=10
